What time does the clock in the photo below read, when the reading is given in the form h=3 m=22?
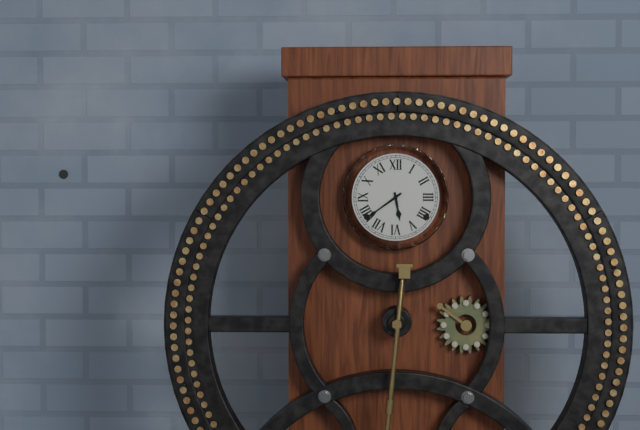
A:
h=5 m=39
